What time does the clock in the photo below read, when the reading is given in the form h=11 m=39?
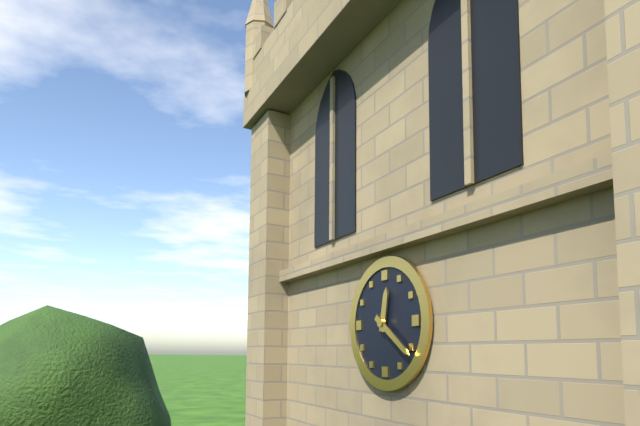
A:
h=12 m=21
